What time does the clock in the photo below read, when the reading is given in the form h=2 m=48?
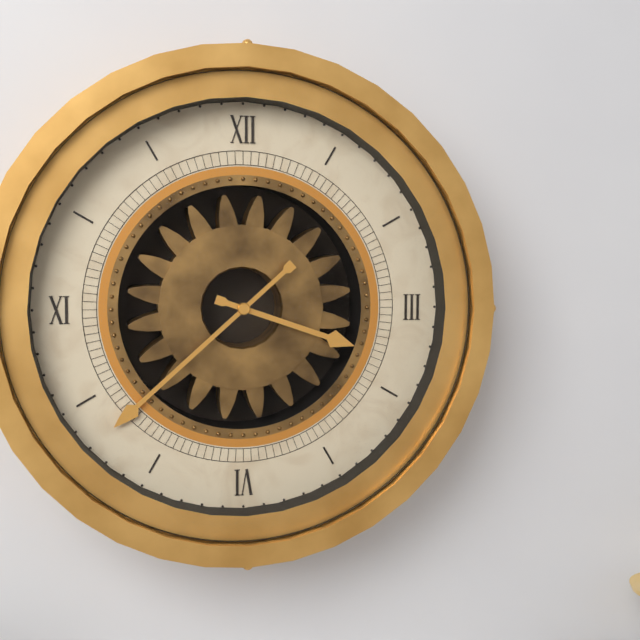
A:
h=3 m=38
